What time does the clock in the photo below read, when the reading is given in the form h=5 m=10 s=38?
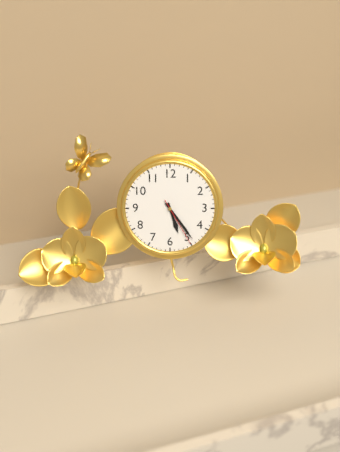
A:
h=5 m=24 s=25
